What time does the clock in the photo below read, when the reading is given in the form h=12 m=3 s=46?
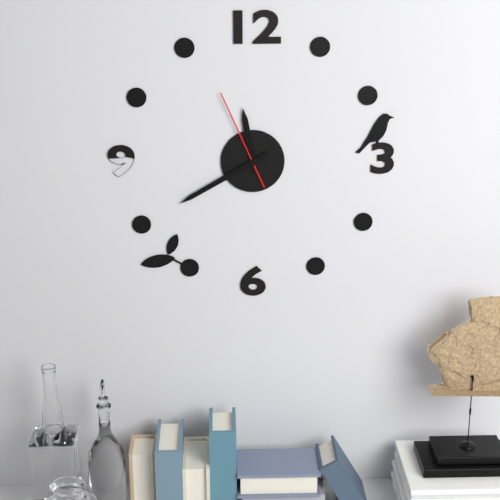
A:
h=11 m=40 s=56
